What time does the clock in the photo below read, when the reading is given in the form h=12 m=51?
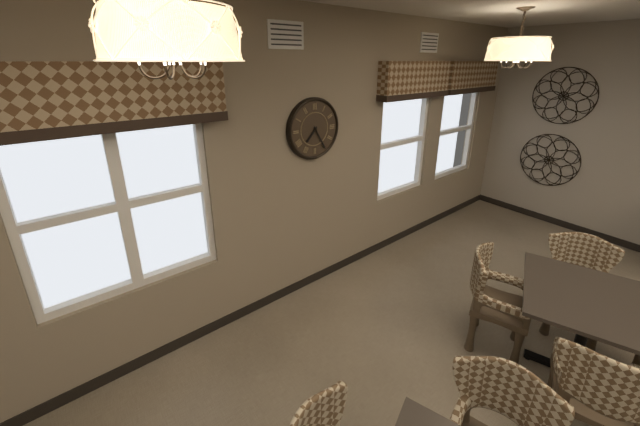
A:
h=7 m=25
